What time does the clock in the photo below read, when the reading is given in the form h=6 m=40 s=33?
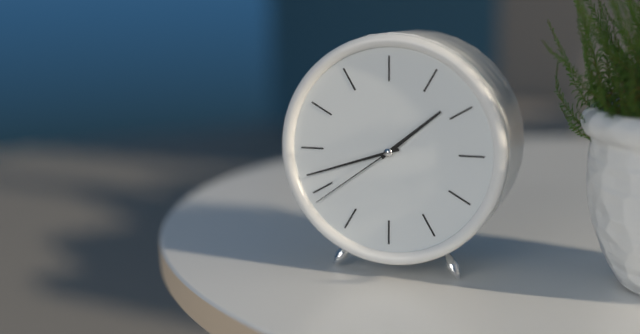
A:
h=1 m=42 s=39
